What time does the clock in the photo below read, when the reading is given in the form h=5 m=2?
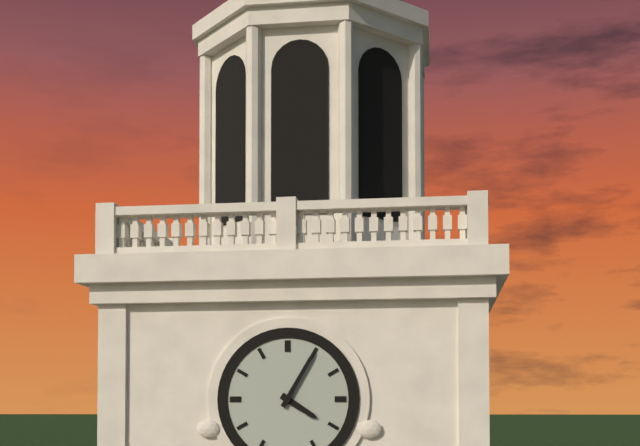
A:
h=4 m=5
